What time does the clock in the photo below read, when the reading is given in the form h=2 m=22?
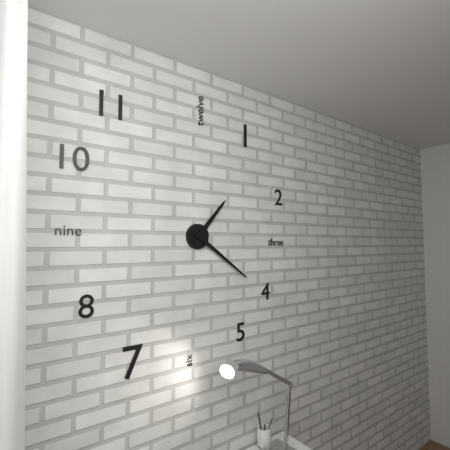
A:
h=1 m=21
